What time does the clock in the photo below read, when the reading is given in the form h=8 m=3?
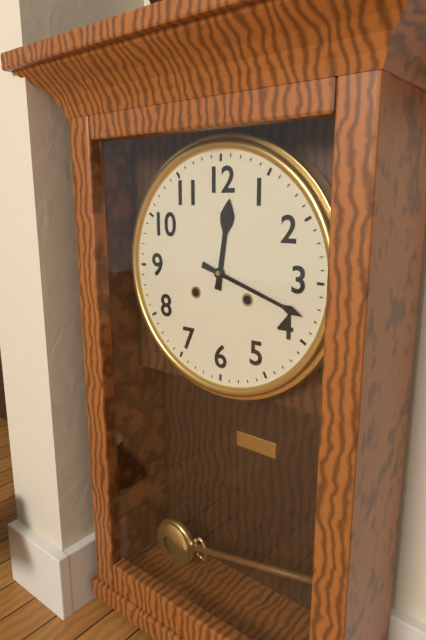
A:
h=12 m=18
